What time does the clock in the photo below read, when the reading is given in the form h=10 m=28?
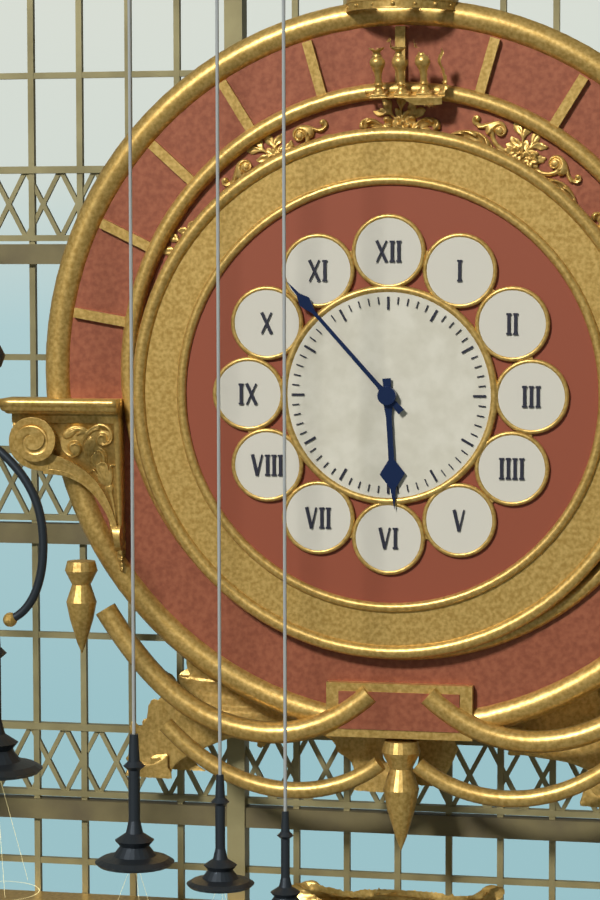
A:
h=5 m=53
